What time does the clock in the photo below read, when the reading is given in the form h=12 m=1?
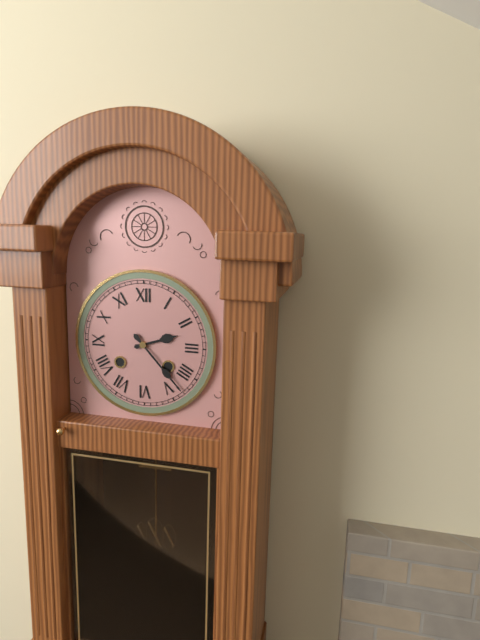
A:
h=2 m=23
